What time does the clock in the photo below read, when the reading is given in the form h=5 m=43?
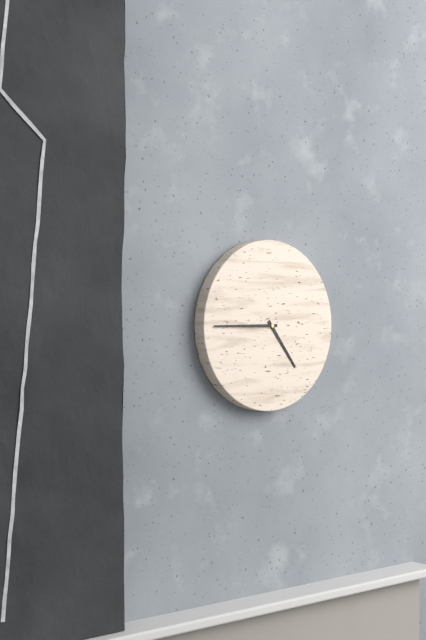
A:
h=4 m=45
